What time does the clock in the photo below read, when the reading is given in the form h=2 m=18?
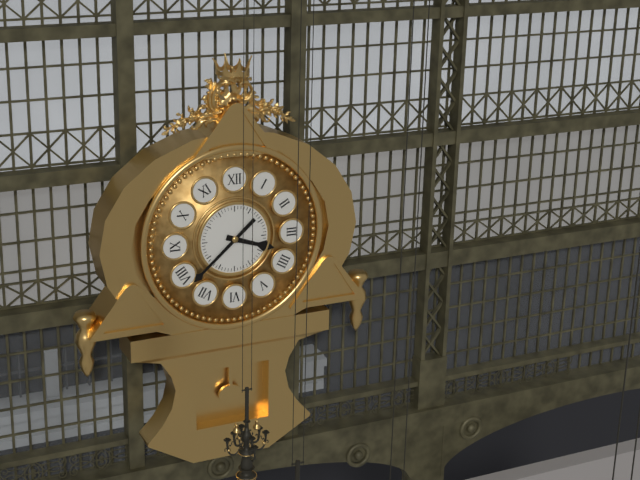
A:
h=3 m=38
